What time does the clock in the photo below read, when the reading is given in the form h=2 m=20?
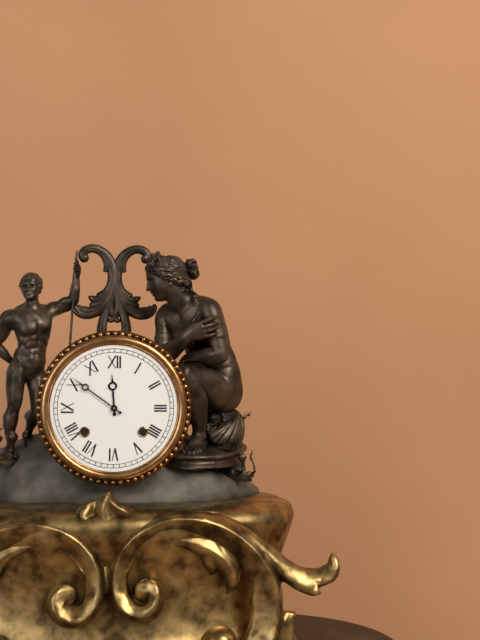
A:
h=11 m=51
